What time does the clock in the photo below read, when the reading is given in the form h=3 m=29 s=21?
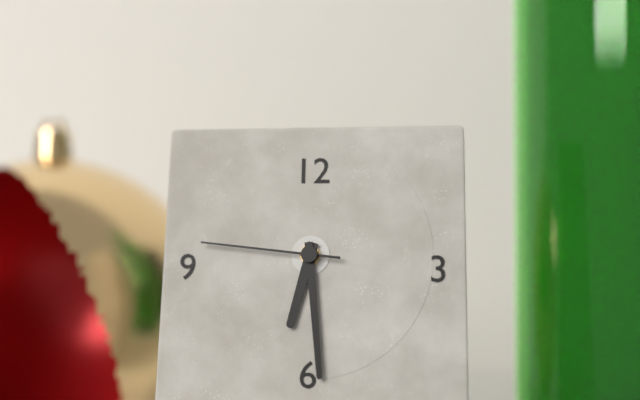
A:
h=6 m=29 s=46
